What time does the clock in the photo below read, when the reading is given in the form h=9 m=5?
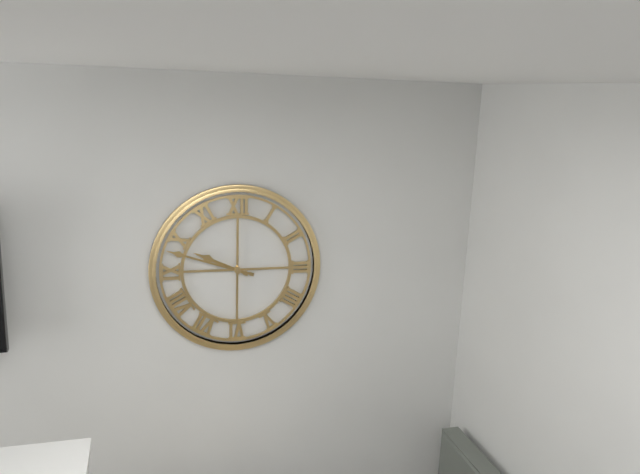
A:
h=9 m=48
